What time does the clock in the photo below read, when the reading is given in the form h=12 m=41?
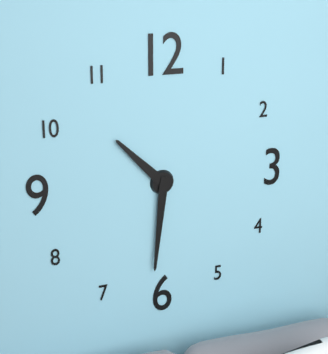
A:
h=10 m=31
